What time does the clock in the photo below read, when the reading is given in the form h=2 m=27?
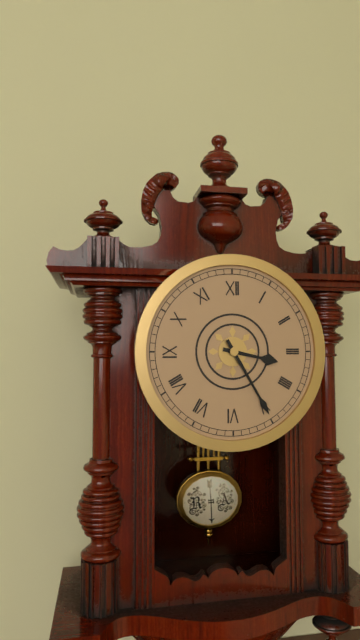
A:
h=3 m=25
